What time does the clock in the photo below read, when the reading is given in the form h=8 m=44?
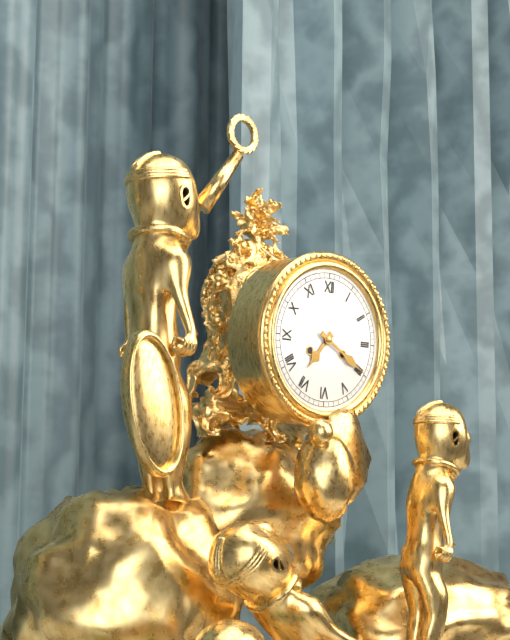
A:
h=7 m=20
